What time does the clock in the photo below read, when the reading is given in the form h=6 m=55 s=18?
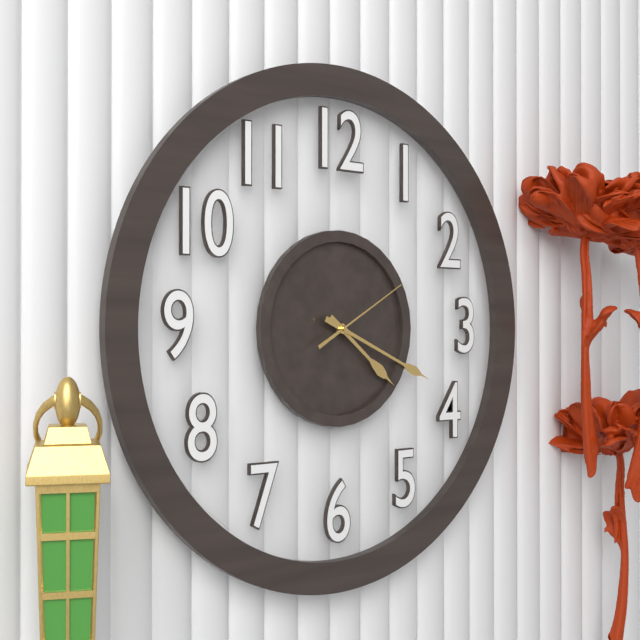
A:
h=4 m=19 s=10
